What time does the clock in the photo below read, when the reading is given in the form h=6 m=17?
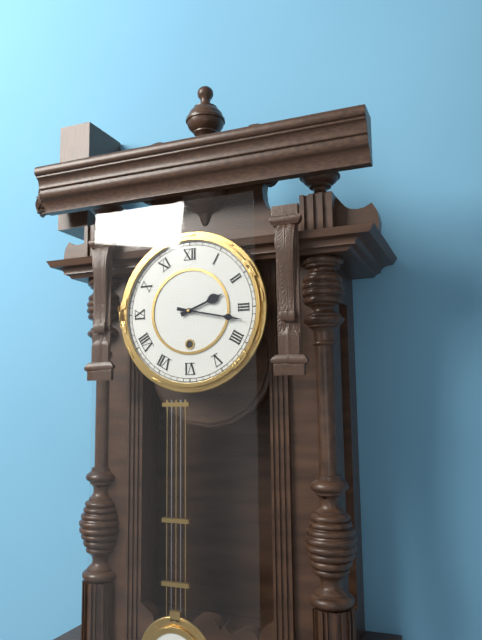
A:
h=2 m=17
